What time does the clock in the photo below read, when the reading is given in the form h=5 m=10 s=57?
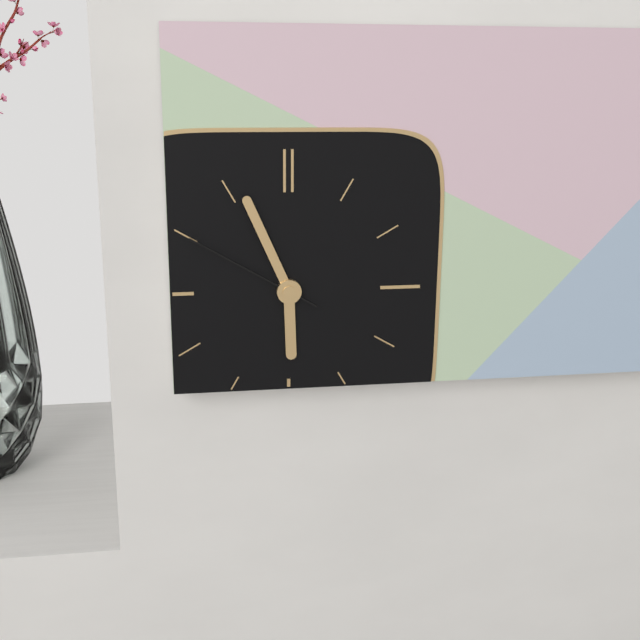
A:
h=5 m=56 s=50
